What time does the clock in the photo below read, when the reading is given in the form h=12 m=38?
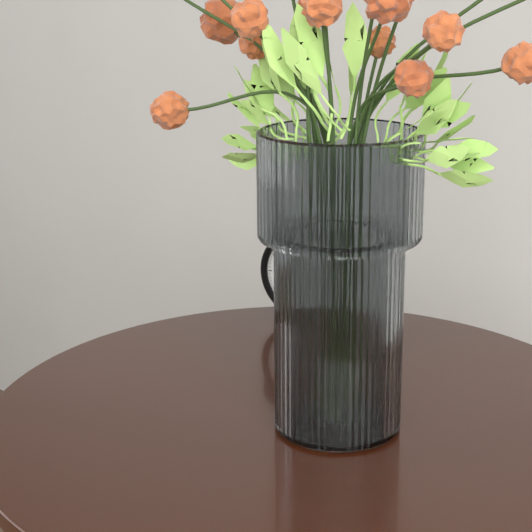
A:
h=11 m=40
